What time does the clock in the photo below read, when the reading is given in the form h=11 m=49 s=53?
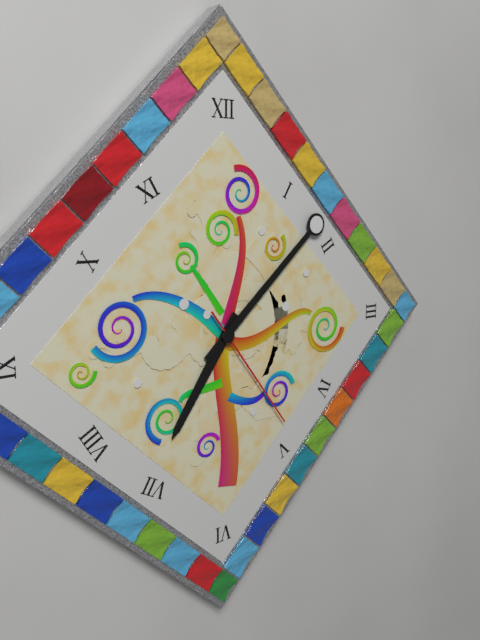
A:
h=7 m=8 s=24
